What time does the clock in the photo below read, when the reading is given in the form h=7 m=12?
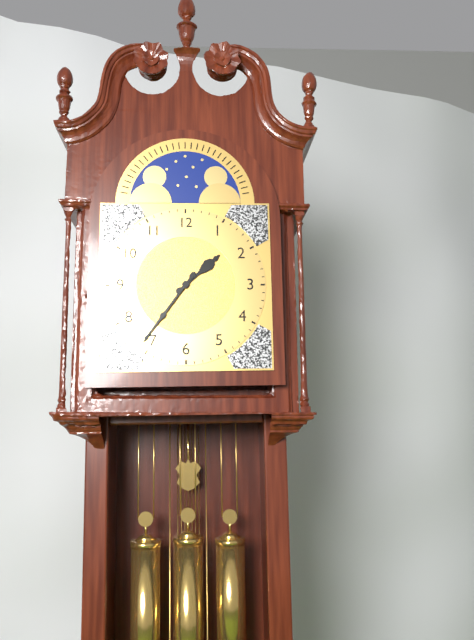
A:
h=1 m=36
